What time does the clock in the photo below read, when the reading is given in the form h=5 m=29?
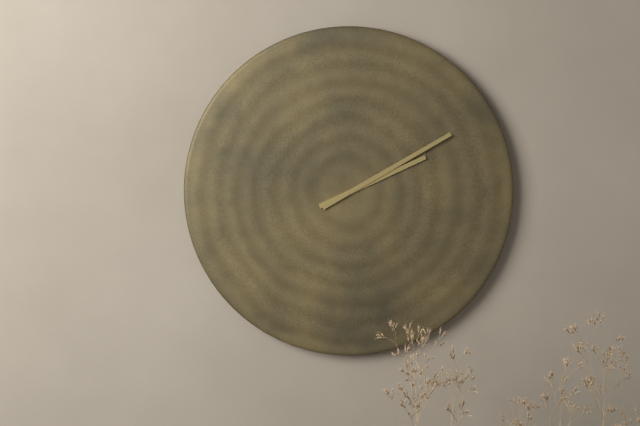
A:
h=2 m=10
